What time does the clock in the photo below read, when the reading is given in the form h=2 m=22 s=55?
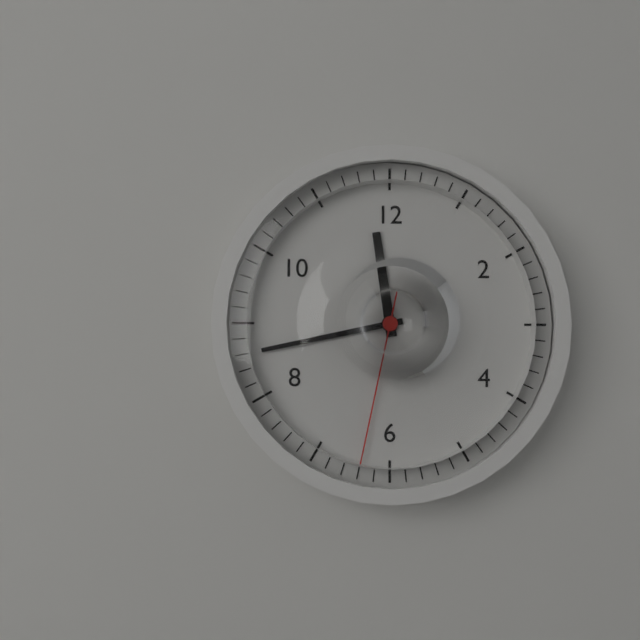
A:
h=11 m=43 s=32
